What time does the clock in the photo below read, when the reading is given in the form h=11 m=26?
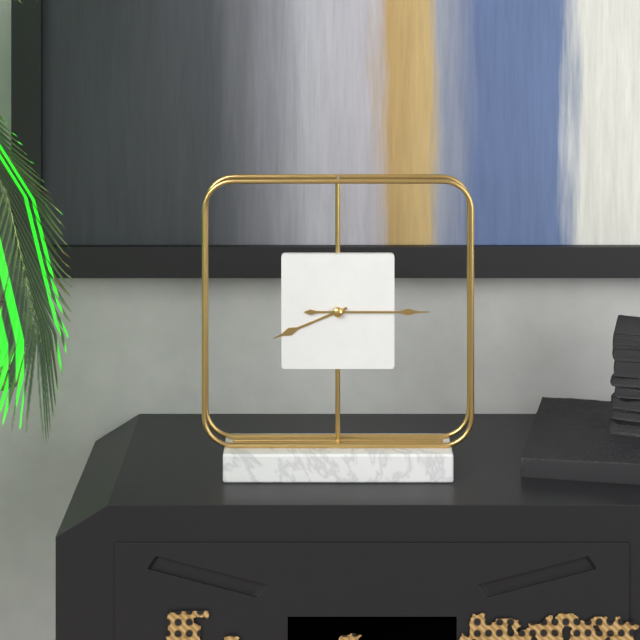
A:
h=8 m=15
